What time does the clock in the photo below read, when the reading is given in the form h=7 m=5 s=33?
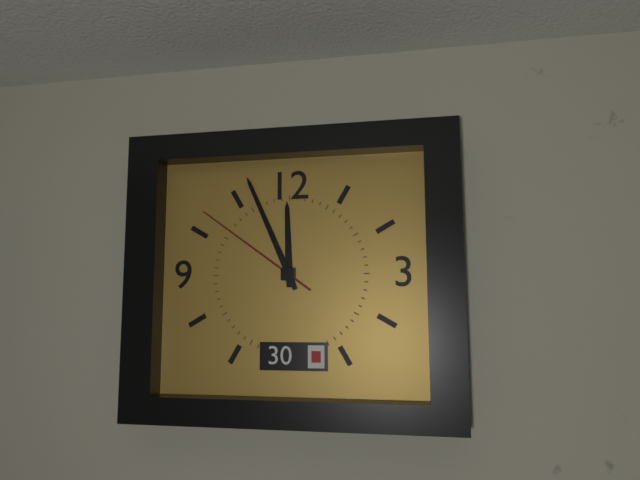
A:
h=11 m=56 s=51
